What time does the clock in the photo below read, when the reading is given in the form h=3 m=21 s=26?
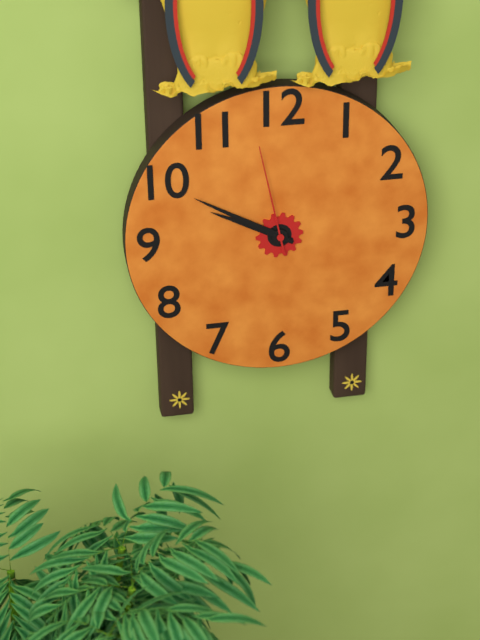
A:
h=9 m=50 s=58
